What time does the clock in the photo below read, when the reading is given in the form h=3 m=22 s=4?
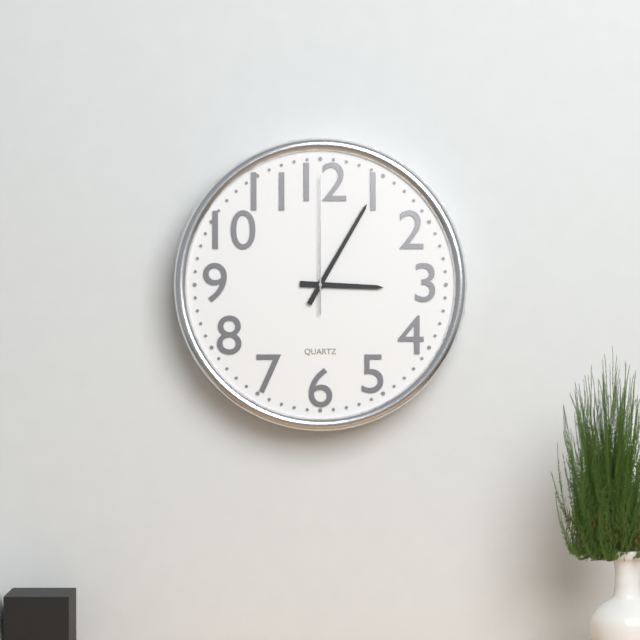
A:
h=3 m=5 s=0
